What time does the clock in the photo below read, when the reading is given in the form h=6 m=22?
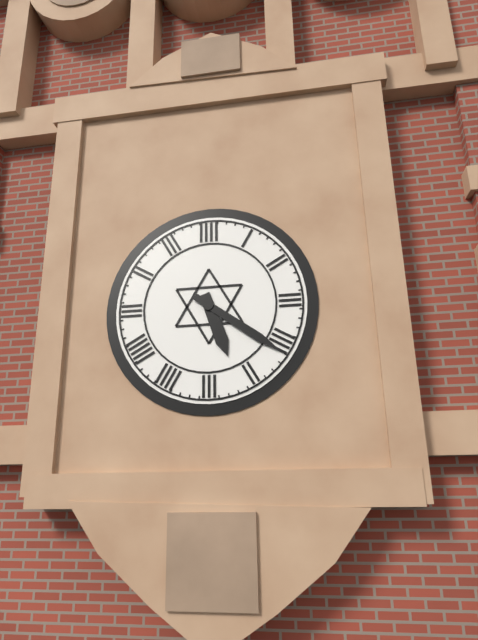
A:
h=5 m=21
